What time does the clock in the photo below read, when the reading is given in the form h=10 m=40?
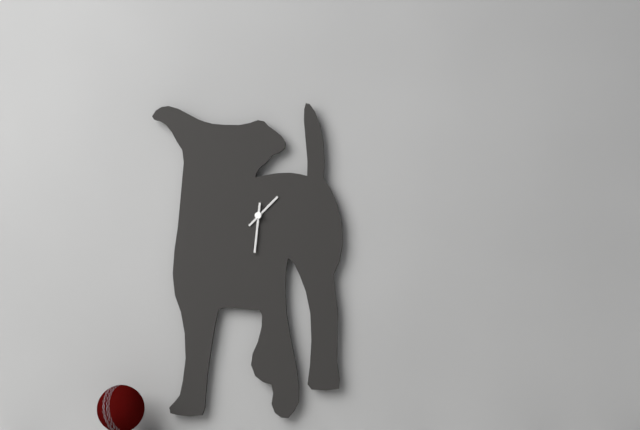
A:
h=1 m=31
